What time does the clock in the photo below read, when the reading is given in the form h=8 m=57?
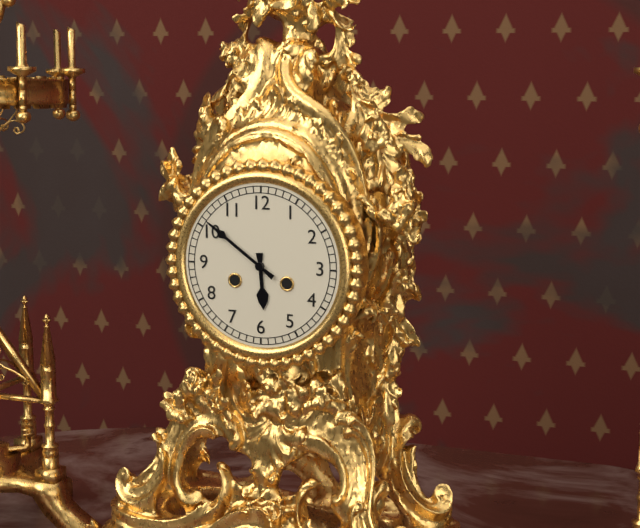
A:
h=5 m=51
